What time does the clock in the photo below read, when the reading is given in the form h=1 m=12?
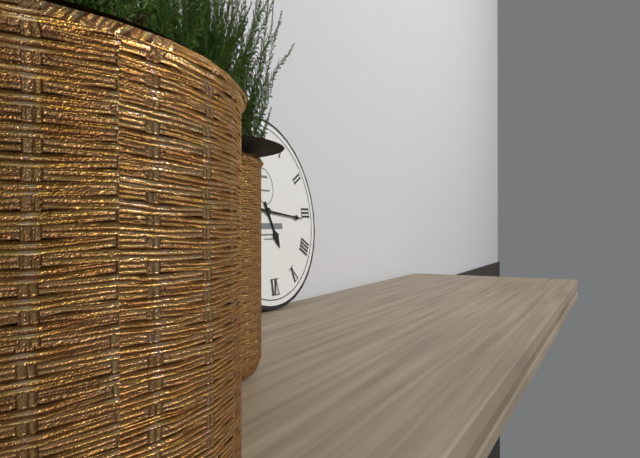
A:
h=5 m=16
